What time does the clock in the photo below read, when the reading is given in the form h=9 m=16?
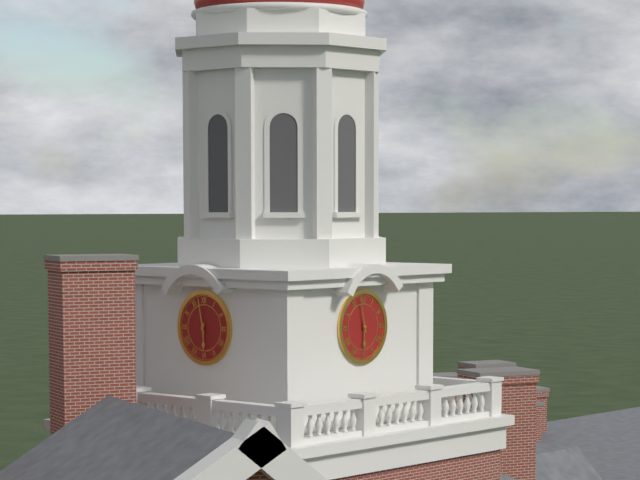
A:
h=5 m=58
